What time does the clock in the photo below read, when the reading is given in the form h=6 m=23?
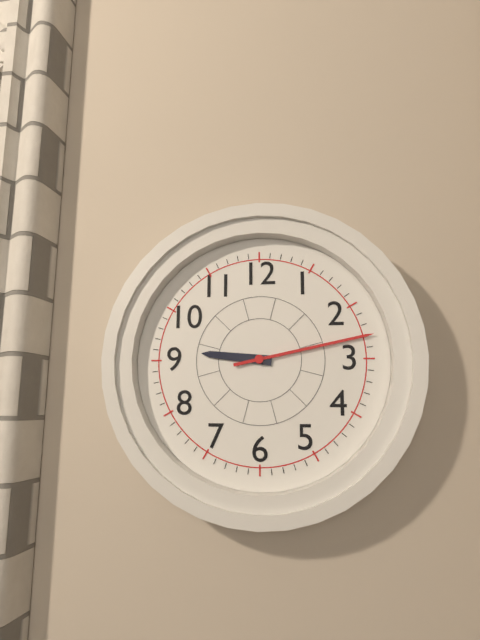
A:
h=9 m=13
